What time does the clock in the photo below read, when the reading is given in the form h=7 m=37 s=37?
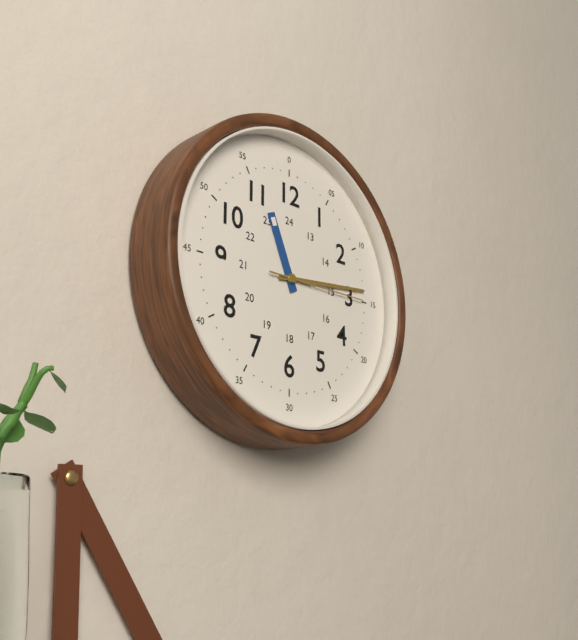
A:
h=11 m=14 s=15
